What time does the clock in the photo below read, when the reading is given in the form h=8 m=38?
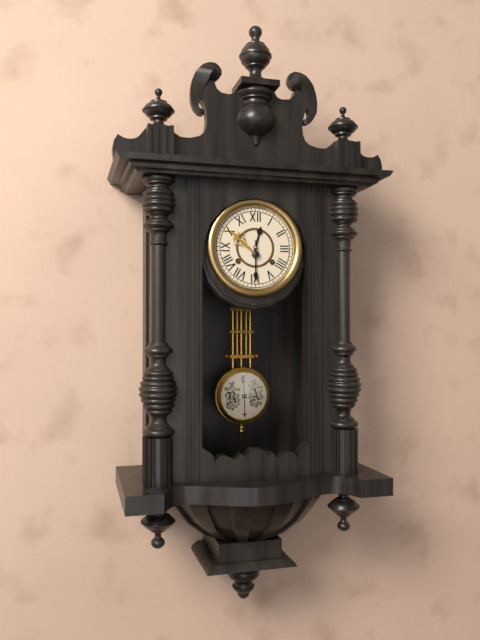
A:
h=12 m=30
